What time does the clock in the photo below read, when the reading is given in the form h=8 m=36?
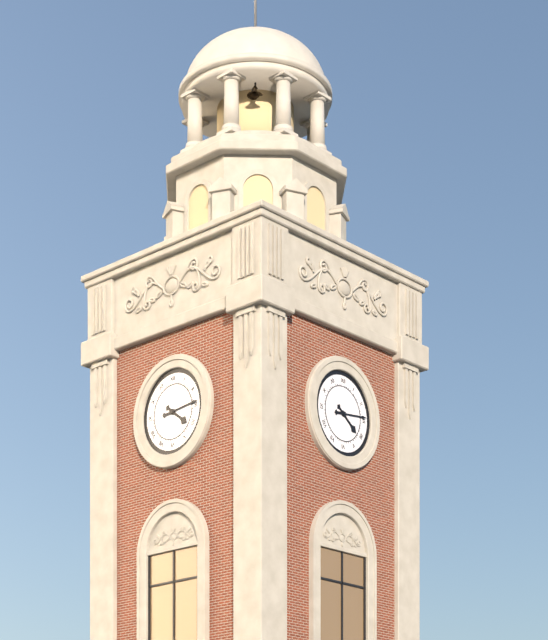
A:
h=4 m=14
